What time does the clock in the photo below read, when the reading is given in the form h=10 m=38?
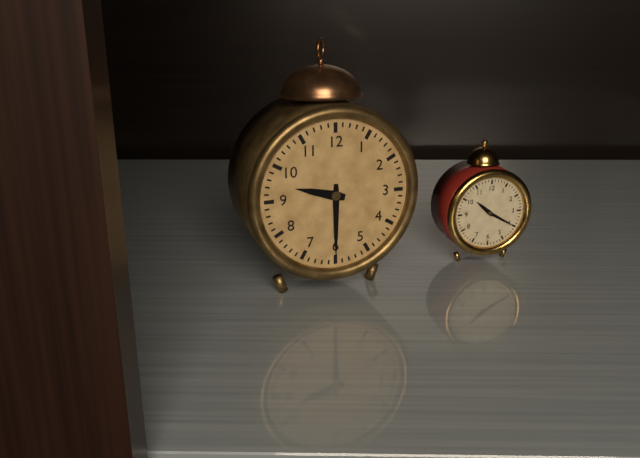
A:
h=9 m=30
